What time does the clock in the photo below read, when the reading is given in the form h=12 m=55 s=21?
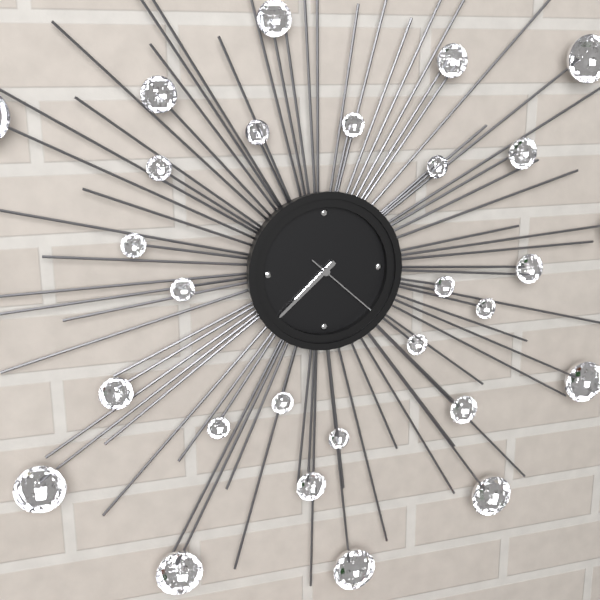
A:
h=7 m=38 s=22
